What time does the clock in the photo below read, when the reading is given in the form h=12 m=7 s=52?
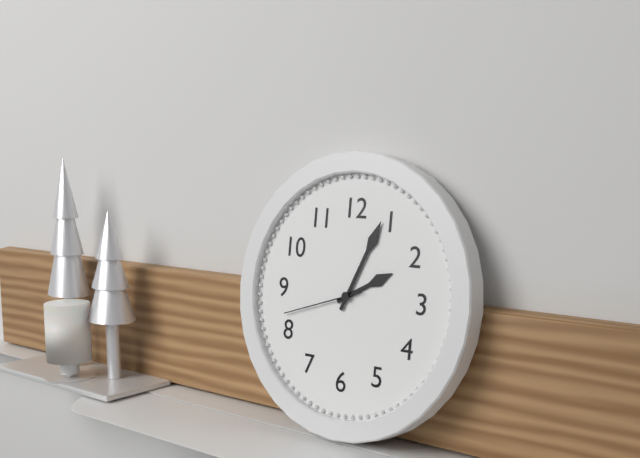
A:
h=2 m=4 s=42
